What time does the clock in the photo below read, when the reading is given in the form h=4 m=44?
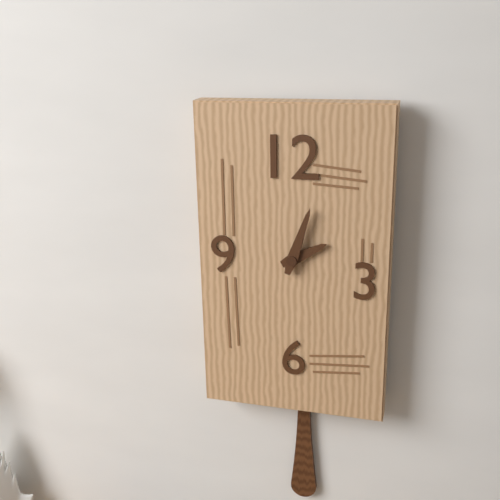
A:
h=2 m=3
